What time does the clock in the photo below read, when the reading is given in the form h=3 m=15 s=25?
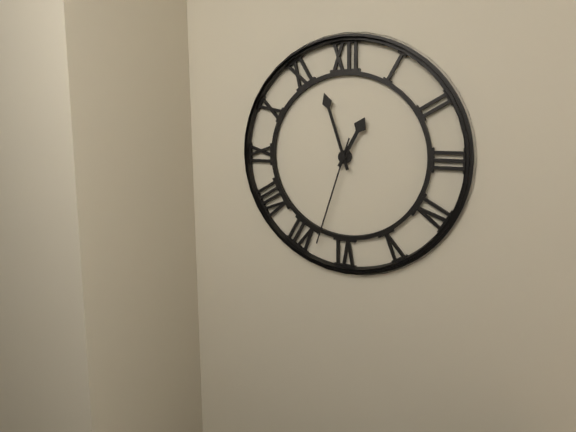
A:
h=12 m=57 s=33
